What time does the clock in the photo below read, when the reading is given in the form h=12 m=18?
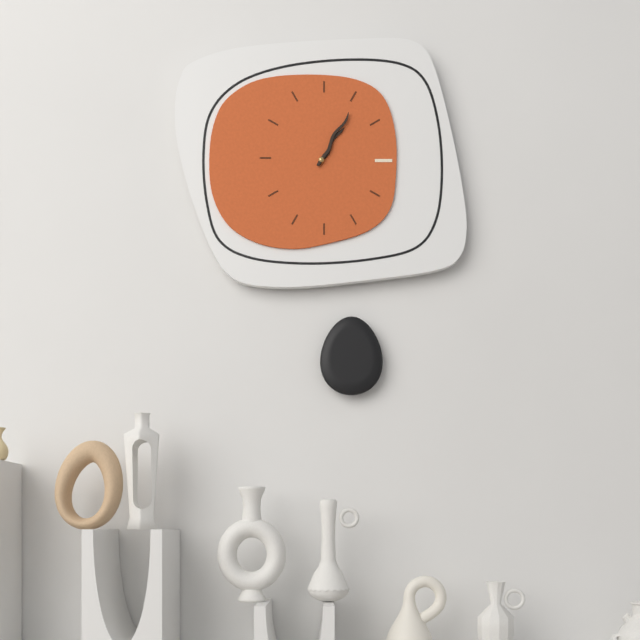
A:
h=1 m=5
